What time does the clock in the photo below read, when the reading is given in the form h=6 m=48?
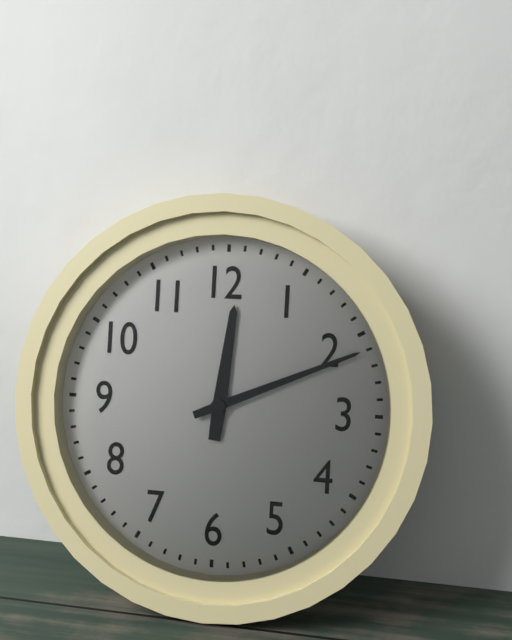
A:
h=12 m=11
